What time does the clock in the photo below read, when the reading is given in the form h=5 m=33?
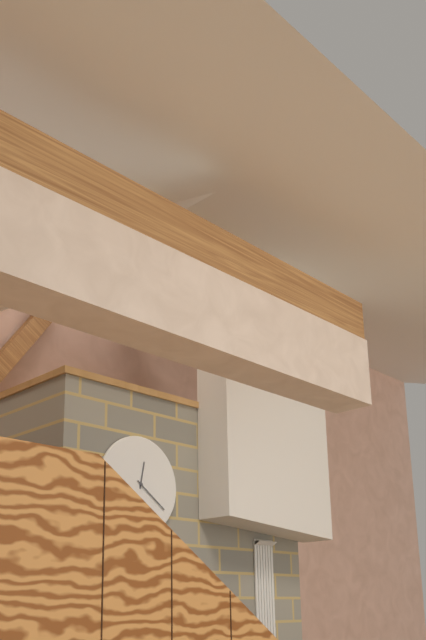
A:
h=12 m=21
